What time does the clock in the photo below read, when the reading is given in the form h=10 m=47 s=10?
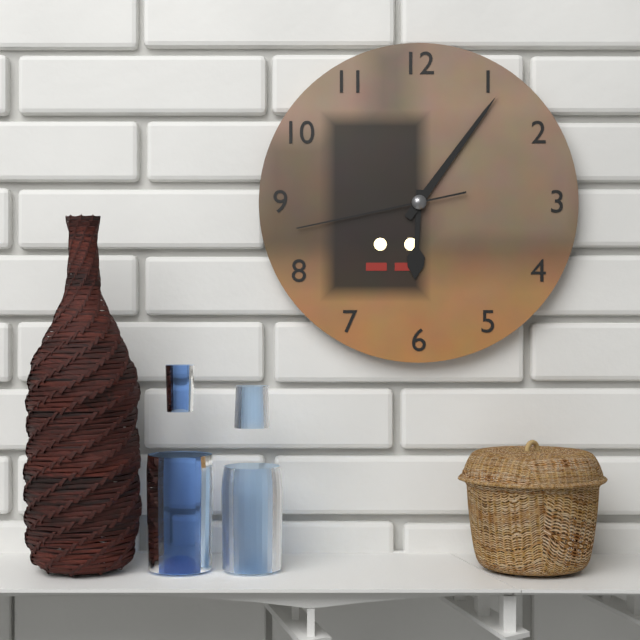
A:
h=6 m=6 s=43
